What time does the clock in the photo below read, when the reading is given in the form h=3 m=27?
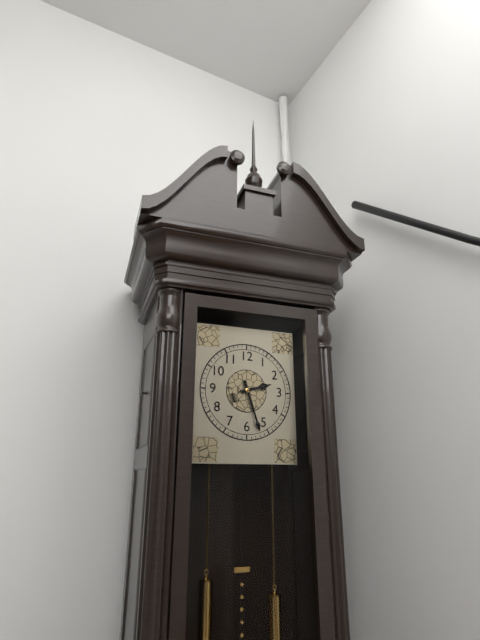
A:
h=2 m=27
